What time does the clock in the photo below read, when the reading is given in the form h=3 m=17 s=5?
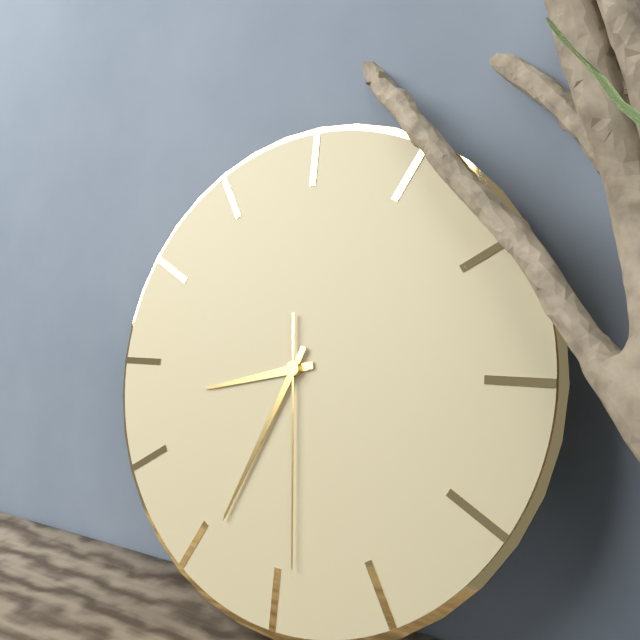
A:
h=8 m=34 s=29
